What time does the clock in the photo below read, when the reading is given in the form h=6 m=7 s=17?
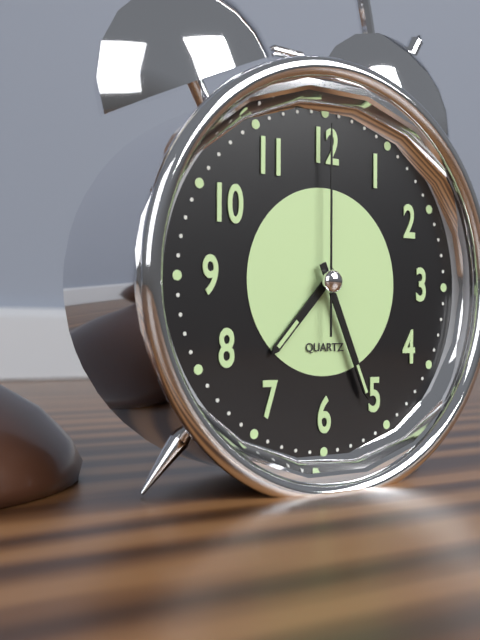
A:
h=7 m=26 s=0
